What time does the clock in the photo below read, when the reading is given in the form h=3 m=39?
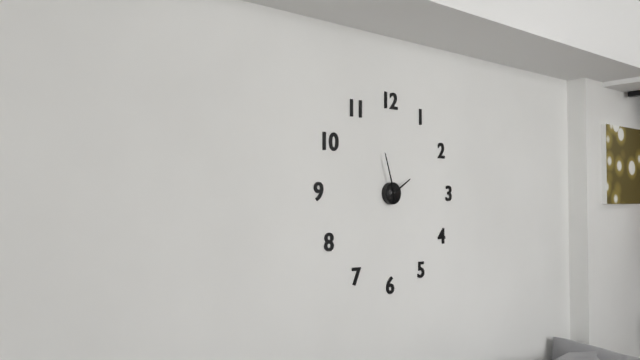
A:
h=1 m=57
